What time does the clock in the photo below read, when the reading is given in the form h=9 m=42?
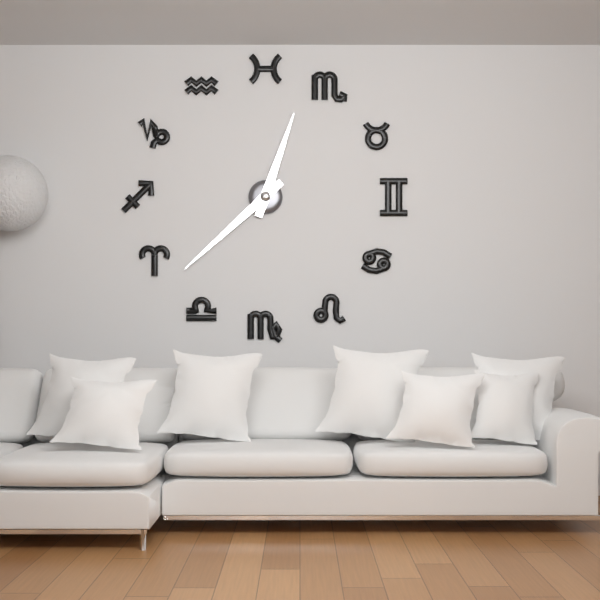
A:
h=12 m=38
